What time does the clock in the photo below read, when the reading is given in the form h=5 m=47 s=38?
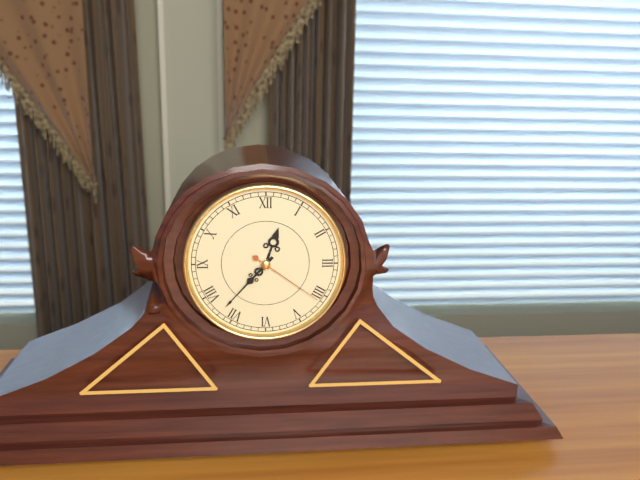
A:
h=12 m=37 s=21
